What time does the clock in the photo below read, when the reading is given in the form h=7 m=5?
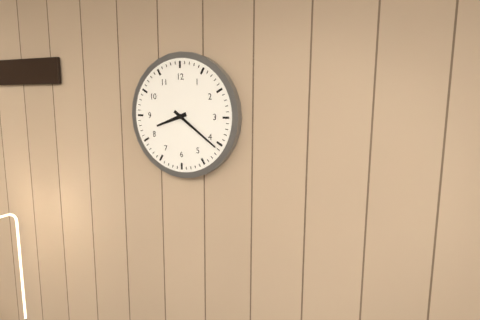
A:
h=8 m=21
